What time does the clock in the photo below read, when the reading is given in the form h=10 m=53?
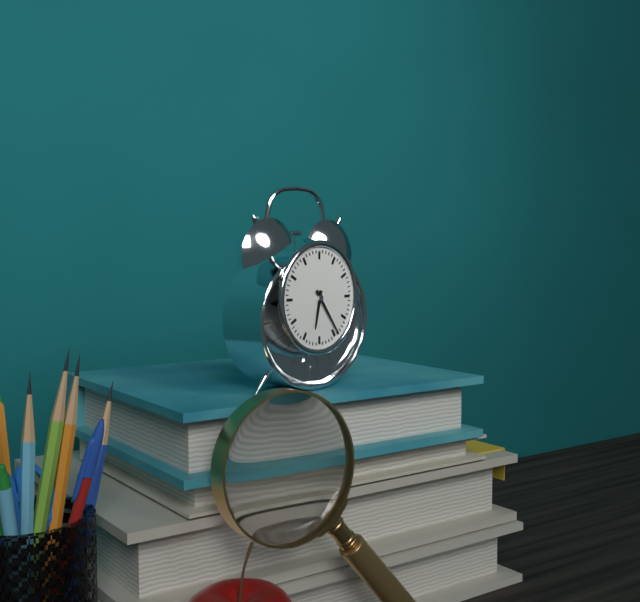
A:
h=6 m=24
